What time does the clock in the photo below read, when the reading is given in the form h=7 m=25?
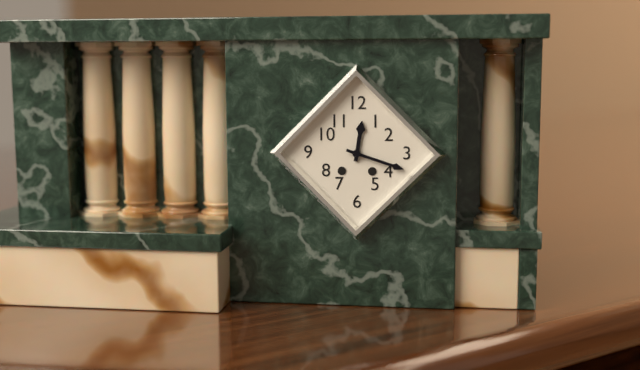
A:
h=12 m=18
